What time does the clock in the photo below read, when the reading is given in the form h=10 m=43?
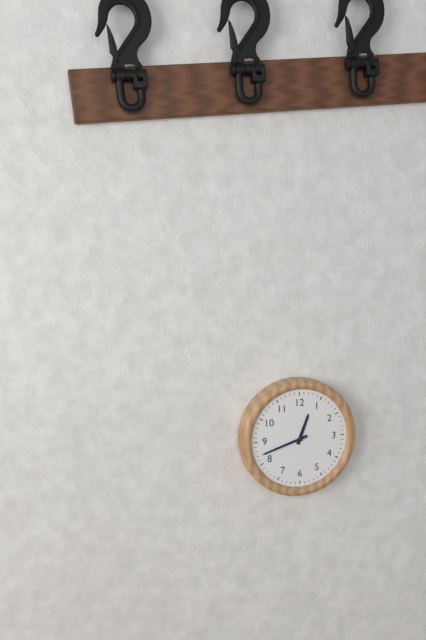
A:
h=12 m=42
